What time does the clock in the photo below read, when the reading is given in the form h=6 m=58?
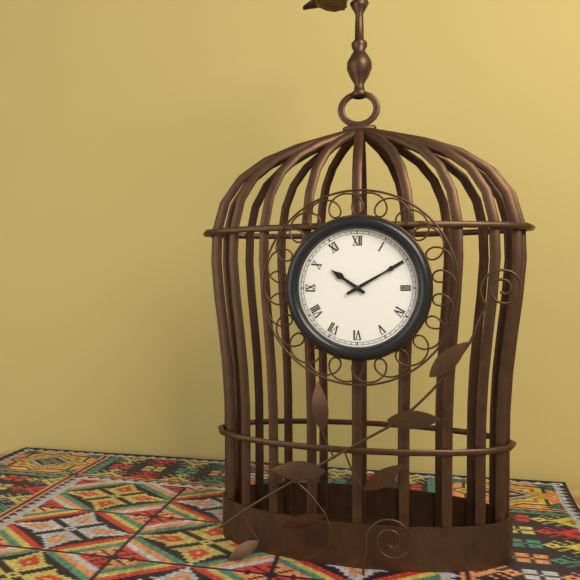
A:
h=10 m=10
